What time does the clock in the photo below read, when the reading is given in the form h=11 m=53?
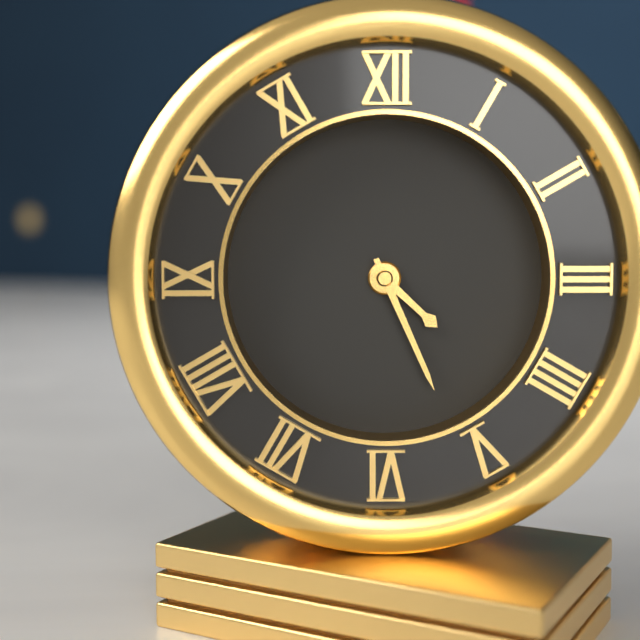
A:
h=4 m=26
